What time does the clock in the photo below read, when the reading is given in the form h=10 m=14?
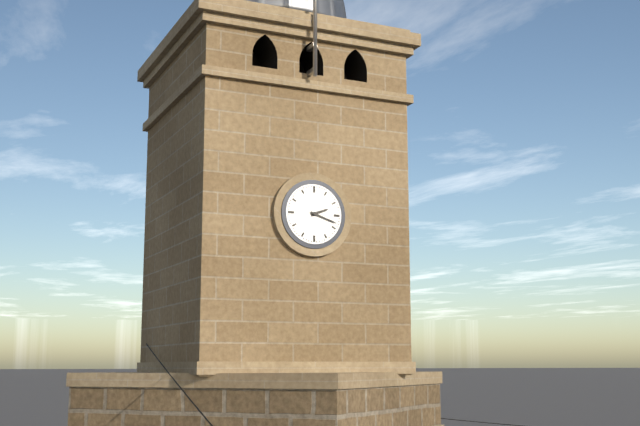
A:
h=2 m=18
